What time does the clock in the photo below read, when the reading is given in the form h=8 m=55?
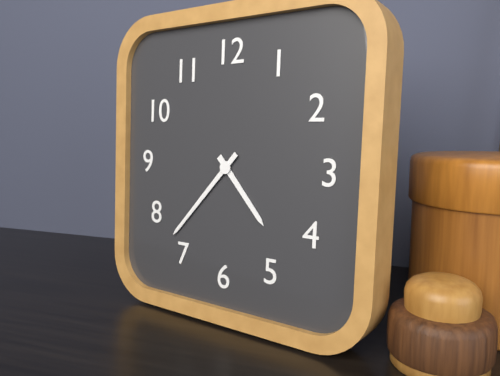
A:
h=4 m=37
